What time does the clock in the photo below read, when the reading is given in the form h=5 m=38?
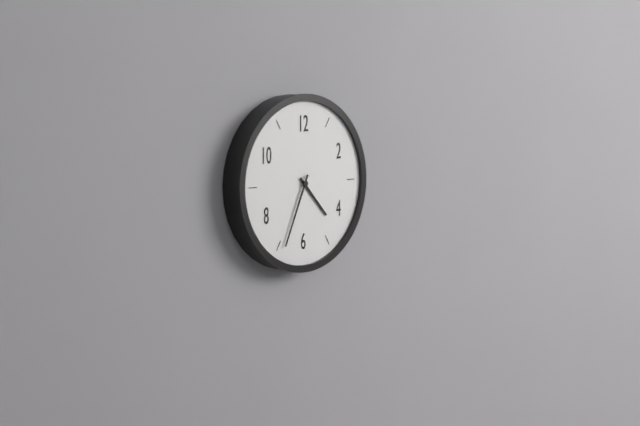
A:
h=4 m=34
